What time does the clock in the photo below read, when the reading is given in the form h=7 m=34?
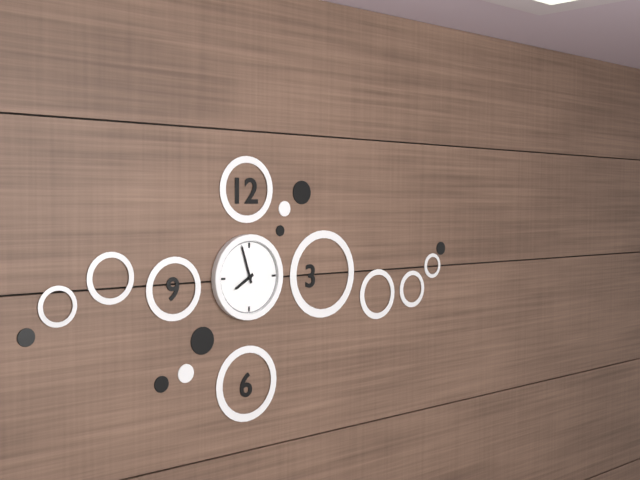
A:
h=7 m=57
